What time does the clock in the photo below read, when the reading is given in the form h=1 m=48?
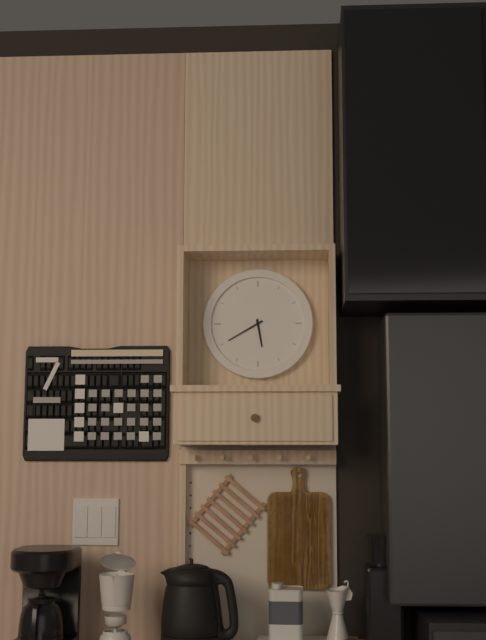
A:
h=5 m=40
